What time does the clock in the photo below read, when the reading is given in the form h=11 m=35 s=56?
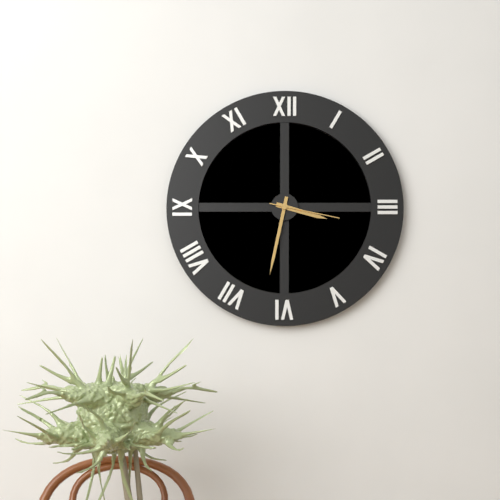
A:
h=3 m=32 s=17
